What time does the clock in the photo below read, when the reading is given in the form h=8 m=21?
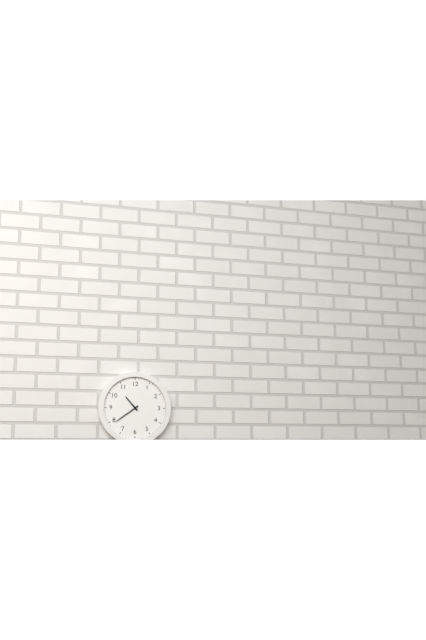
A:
h=10 m=39
